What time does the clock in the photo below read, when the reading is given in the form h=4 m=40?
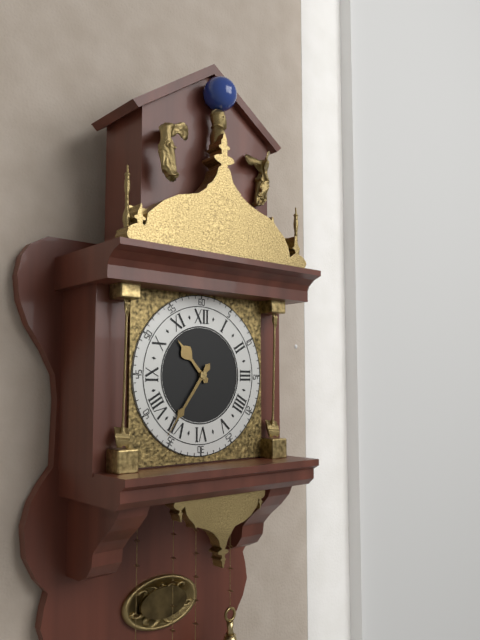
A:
h=10 m=36
